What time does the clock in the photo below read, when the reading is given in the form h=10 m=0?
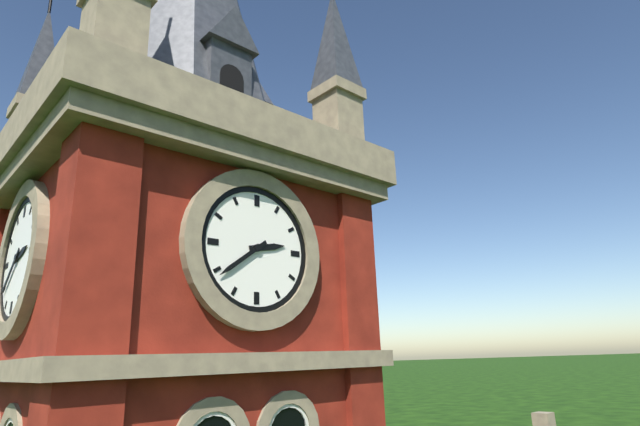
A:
h=2 m=39
